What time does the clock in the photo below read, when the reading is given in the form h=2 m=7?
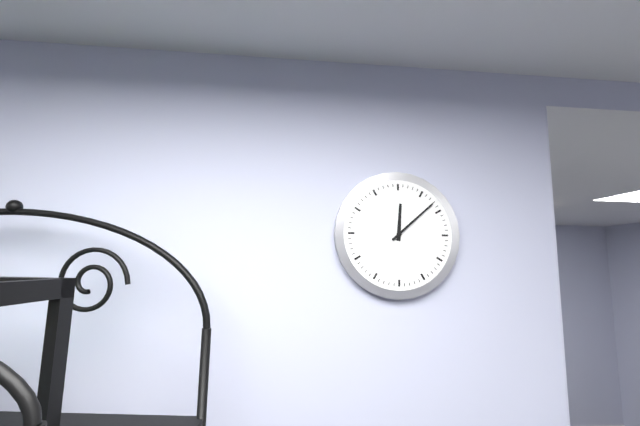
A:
h=12 m=8
